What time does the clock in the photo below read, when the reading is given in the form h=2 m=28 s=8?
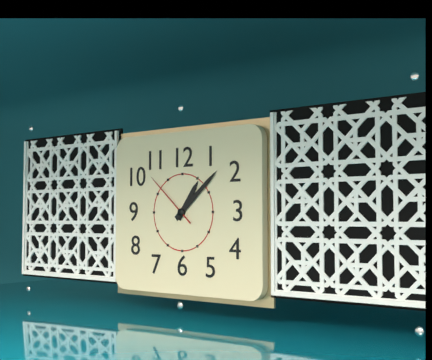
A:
h=1 m=8 s=52
